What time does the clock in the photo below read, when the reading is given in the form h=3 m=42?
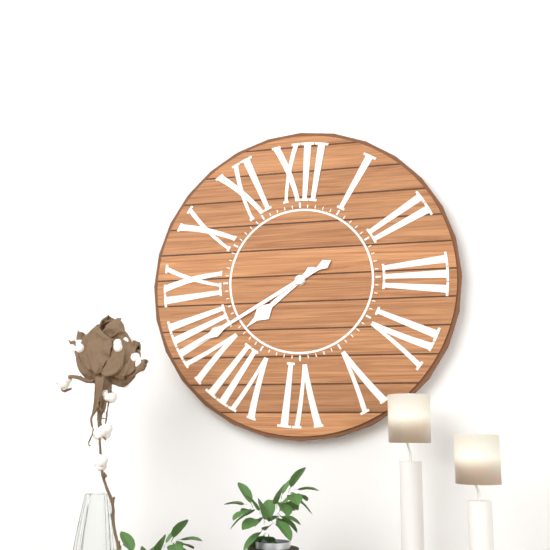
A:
h=7 m=40
